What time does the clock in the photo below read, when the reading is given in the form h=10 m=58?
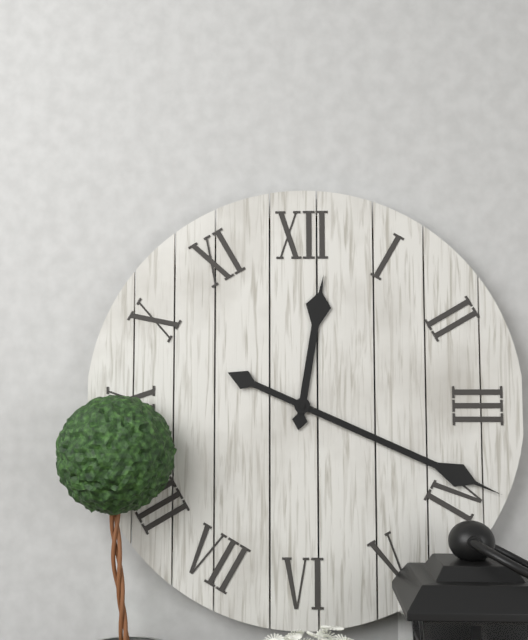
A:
h=12 m=19
